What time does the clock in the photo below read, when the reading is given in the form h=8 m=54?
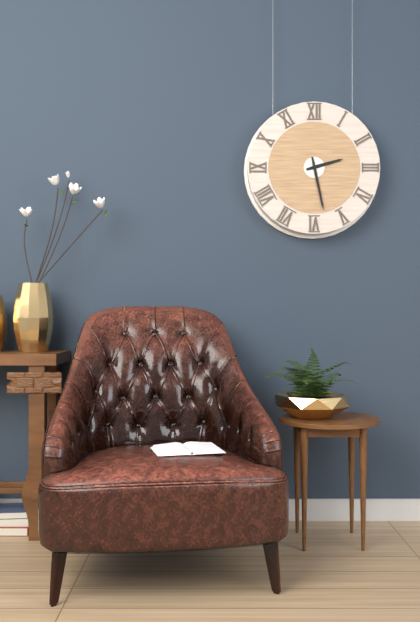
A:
h=2 m=28
